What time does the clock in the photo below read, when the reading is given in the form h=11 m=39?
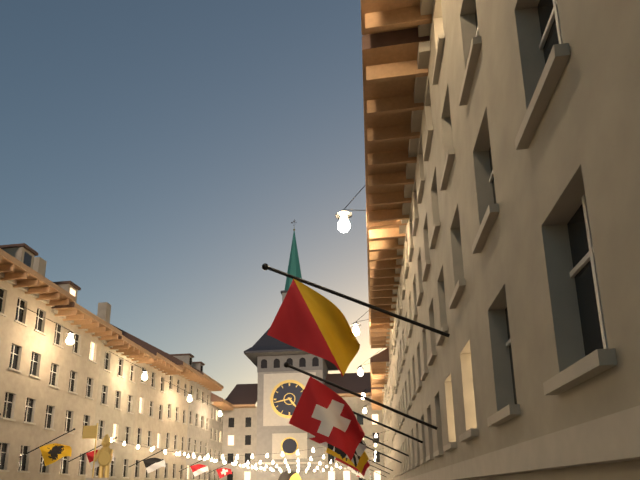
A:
h=4 m=43
